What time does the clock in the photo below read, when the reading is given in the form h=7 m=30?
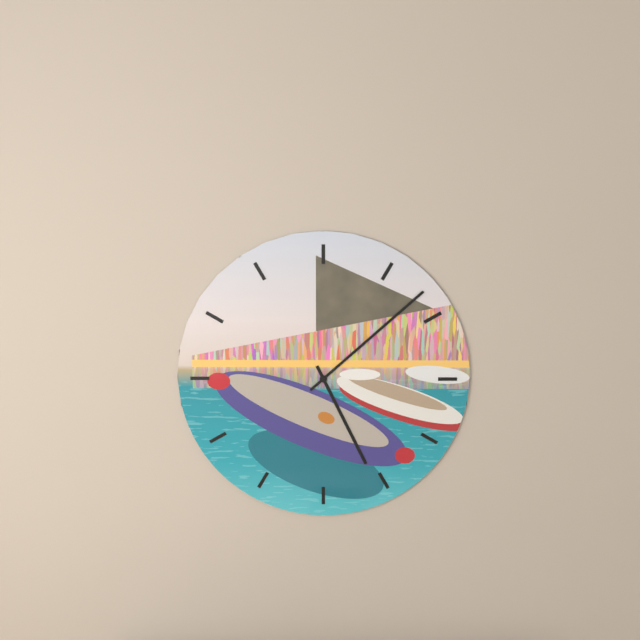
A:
h=5 m=8
